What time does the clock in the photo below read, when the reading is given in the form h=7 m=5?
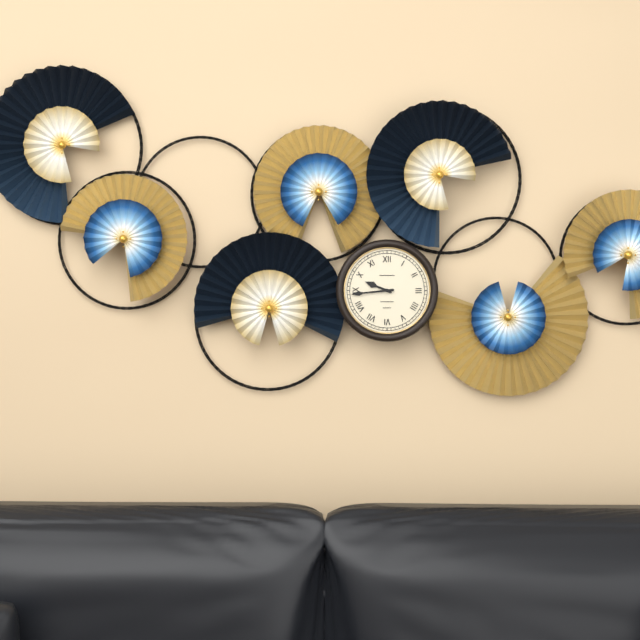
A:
h=9 m=44
